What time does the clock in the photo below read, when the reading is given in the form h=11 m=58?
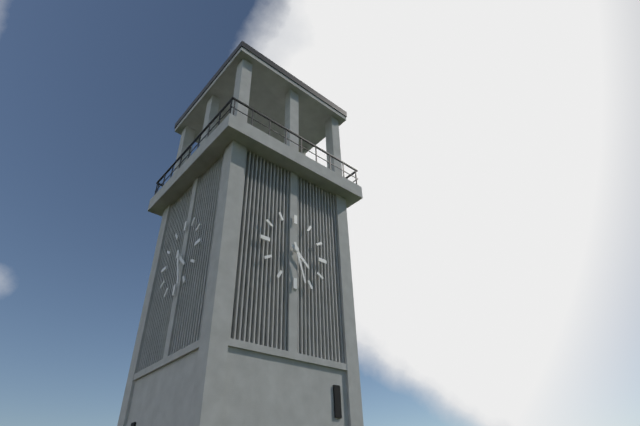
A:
h=4 m=27
